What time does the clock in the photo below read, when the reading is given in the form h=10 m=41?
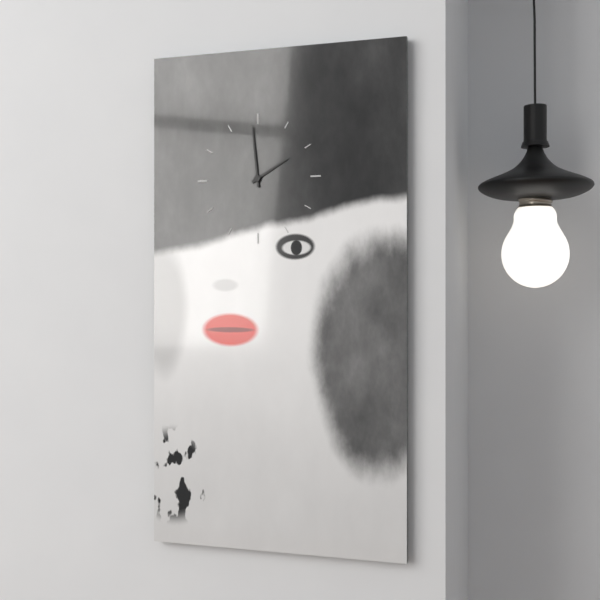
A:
h=1 m=59
